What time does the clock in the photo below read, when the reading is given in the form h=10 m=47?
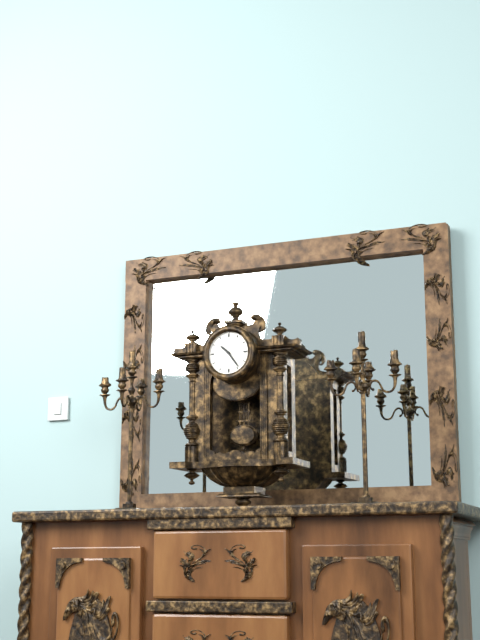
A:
h=10 m=24
